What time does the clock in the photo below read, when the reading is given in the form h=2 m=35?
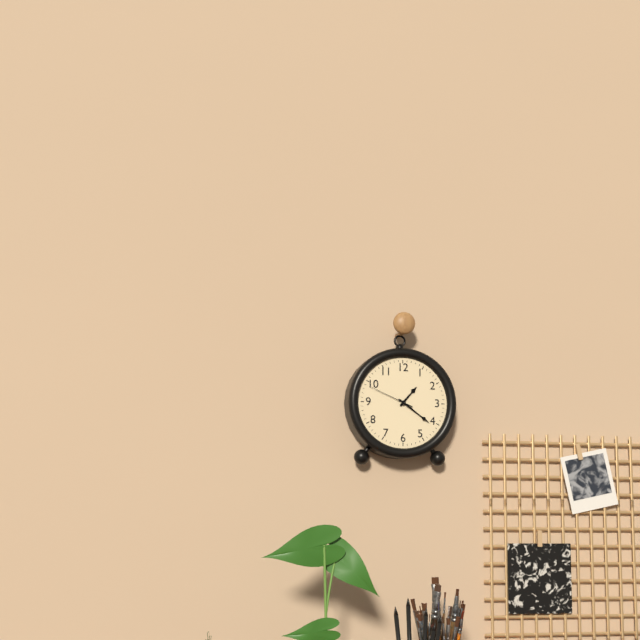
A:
h=1 m=21
